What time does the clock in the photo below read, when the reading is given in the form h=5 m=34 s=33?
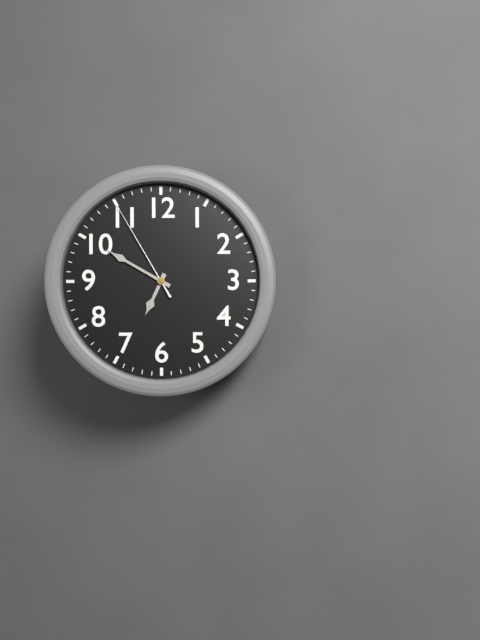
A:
h=6 m=50 s=55
